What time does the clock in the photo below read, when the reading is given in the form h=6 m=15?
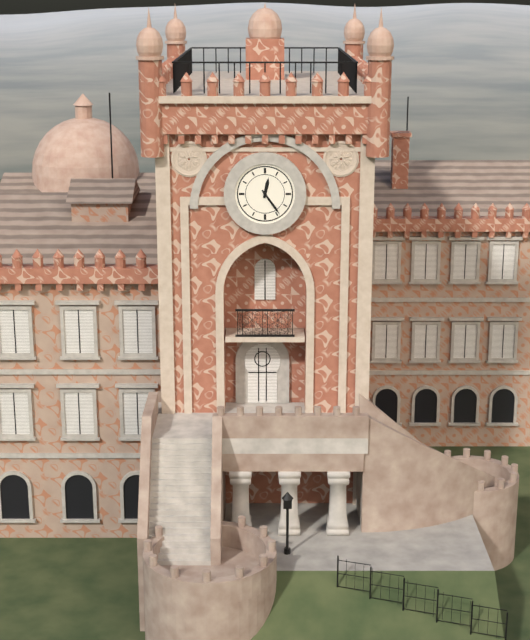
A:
h=12 m=24
